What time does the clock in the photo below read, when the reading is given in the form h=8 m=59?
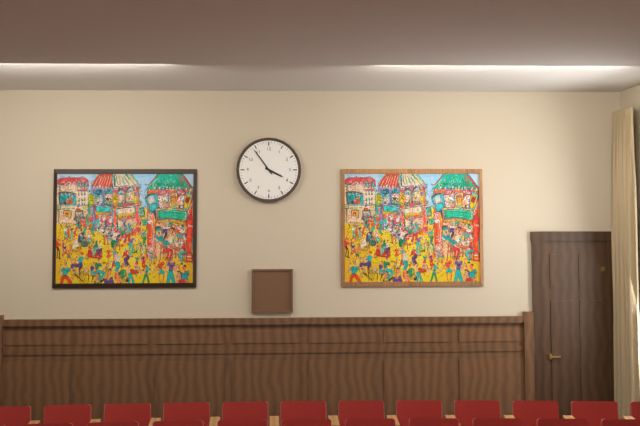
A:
h=3 m=54
